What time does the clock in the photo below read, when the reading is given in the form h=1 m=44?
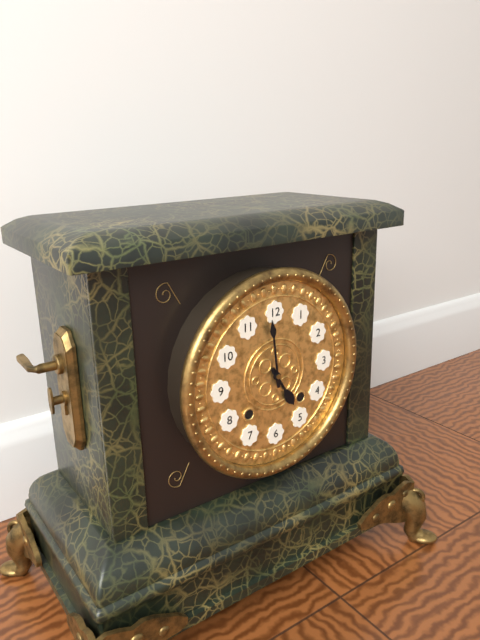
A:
h=4 m=59
